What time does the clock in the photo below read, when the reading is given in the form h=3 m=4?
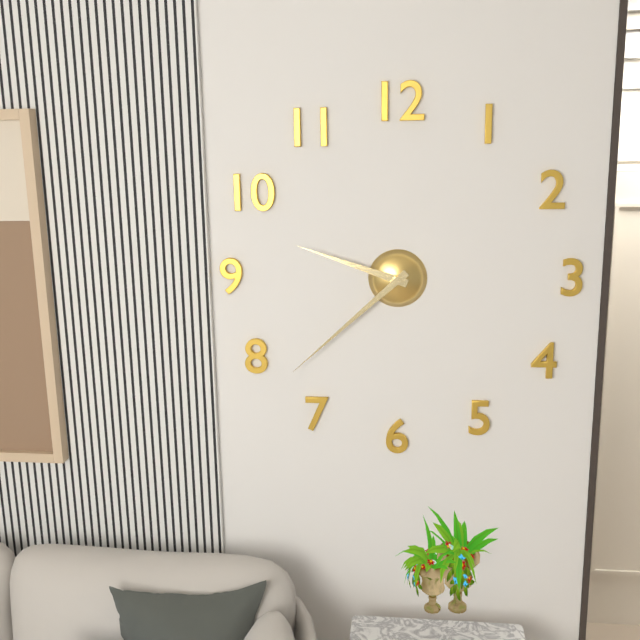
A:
h=9 m=38
